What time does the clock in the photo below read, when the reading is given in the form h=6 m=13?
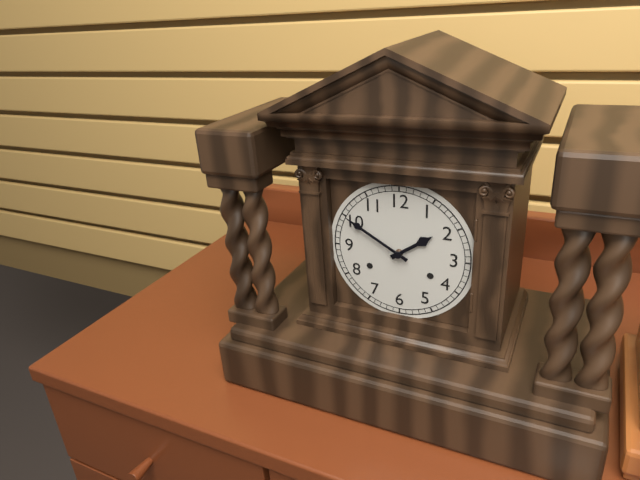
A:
h=1 m=50
